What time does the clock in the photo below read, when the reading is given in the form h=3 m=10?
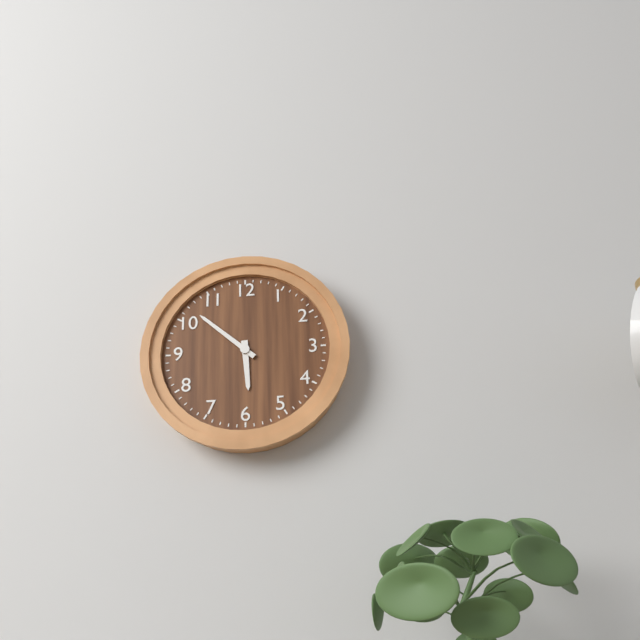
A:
h=5 m=52
